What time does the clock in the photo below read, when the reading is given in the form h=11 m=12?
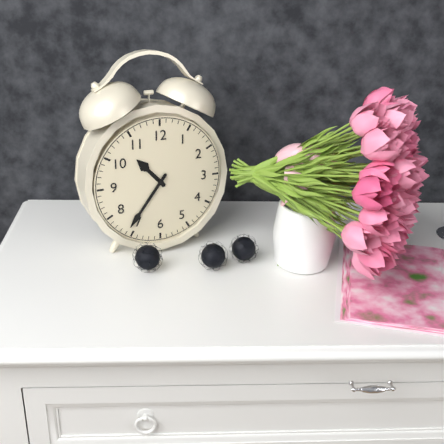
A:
h=10 m=36
